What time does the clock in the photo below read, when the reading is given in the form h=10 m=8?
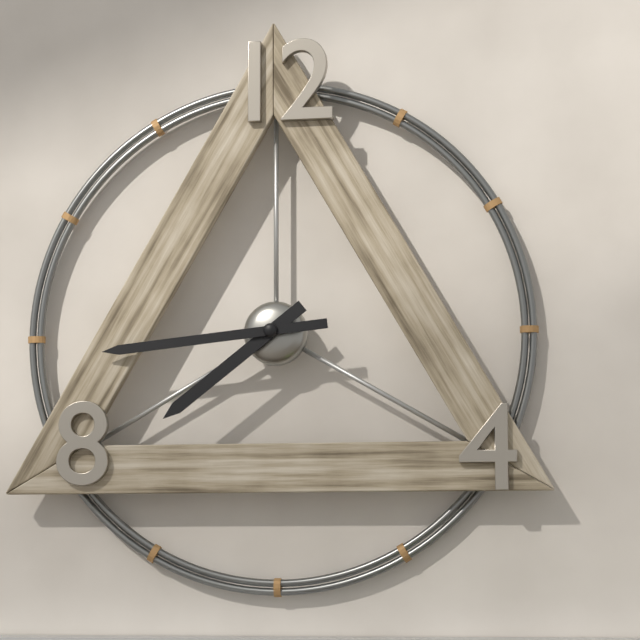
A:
h=7 m=44
